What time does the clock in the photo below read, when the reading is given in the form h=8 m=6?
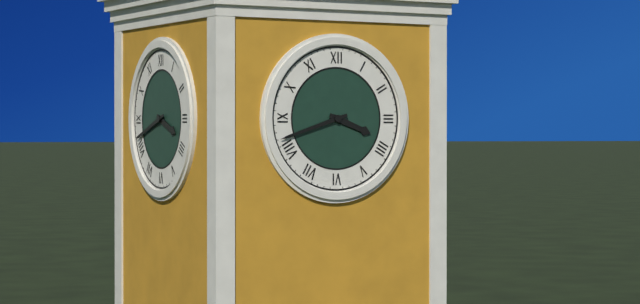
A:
h=3 m=42
